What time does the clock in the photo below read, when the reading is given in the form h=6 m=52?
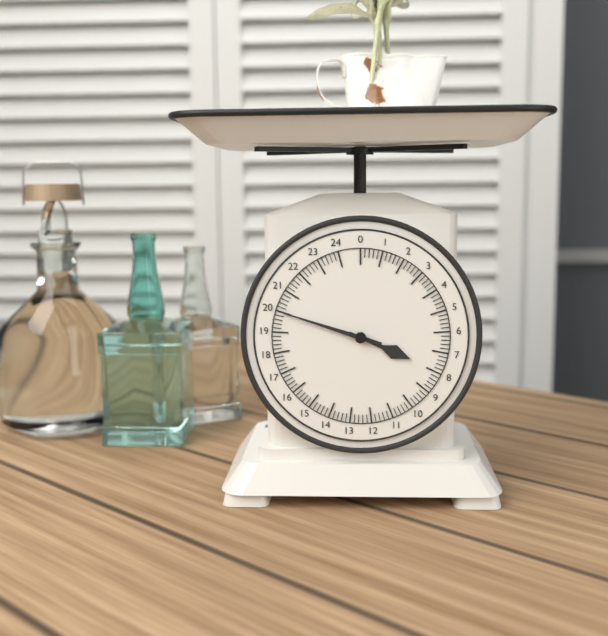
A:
h=3 m=48
